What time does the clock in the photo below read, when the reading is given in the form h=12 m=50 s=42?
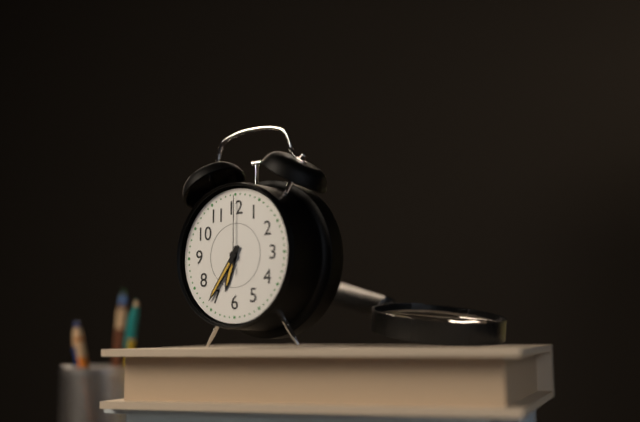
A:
h=6 m=36 s=0
